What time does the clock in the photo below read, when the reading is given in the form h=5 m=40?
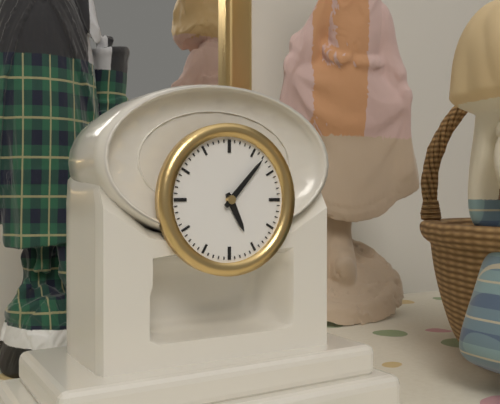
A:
h=5 m=7
